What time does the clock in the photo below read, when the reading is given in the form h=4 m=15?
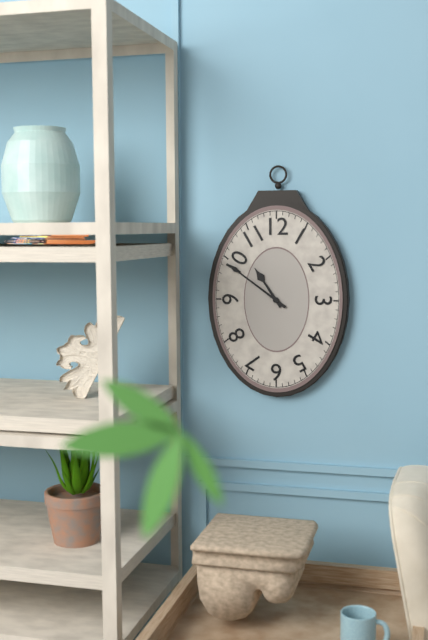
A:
h=10 m=51
